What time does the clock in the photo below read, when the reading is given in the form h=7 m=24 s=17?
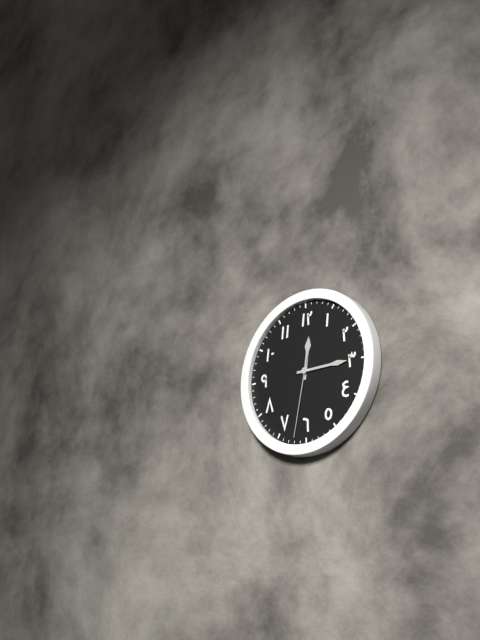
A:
h=12 m=15 s=32
